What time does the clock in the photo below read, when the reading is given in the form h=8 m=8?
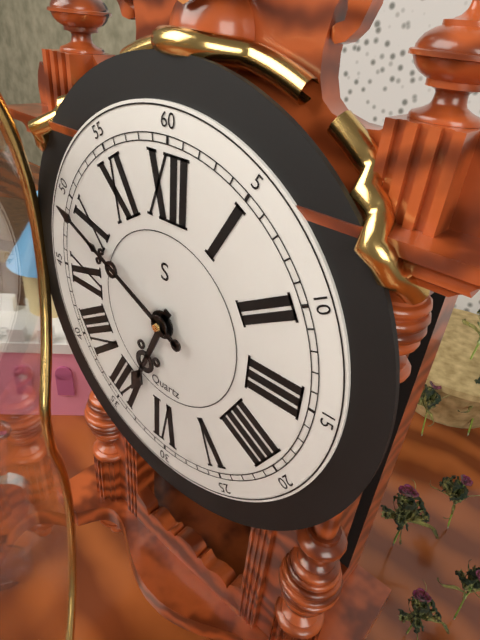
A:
h=6 m=49
